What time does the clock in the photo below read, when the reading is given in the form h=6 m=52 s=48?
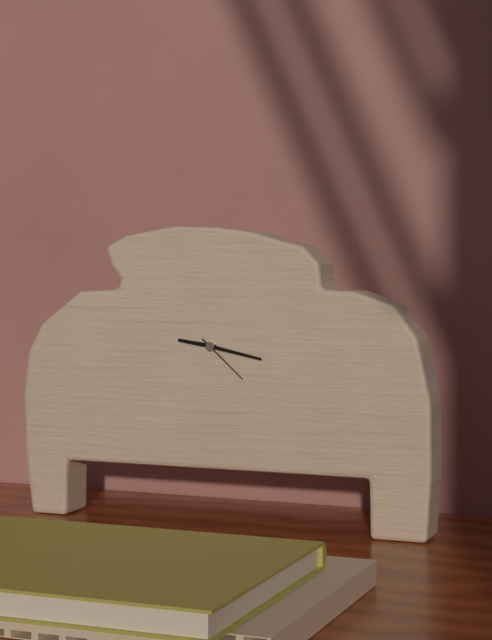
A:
h=9 m=17 s=22
